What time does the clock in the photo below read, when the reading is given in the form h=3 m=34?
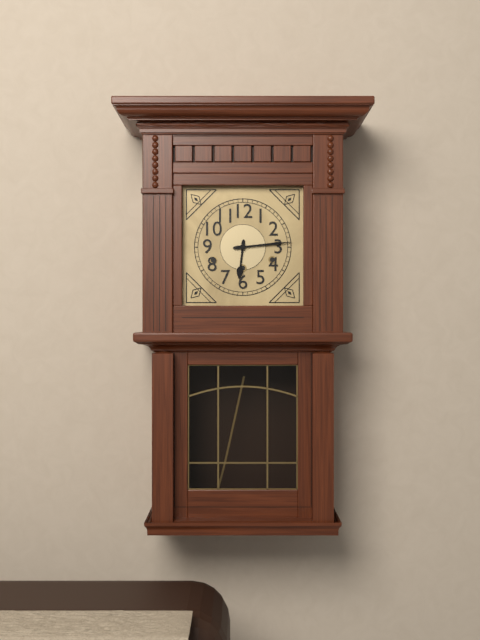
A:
h=6 m=14
